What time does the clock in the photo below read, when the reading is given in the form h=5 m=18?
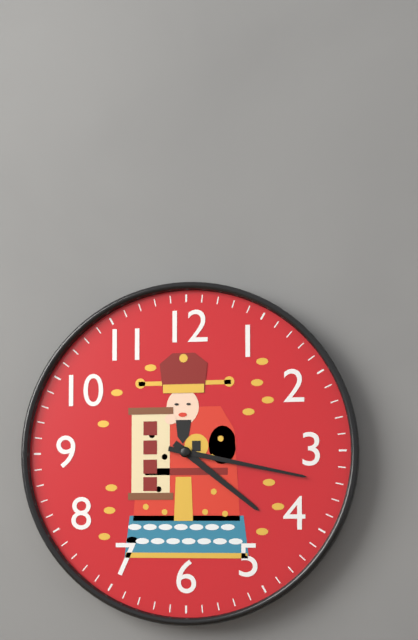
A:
h=4 m=17
